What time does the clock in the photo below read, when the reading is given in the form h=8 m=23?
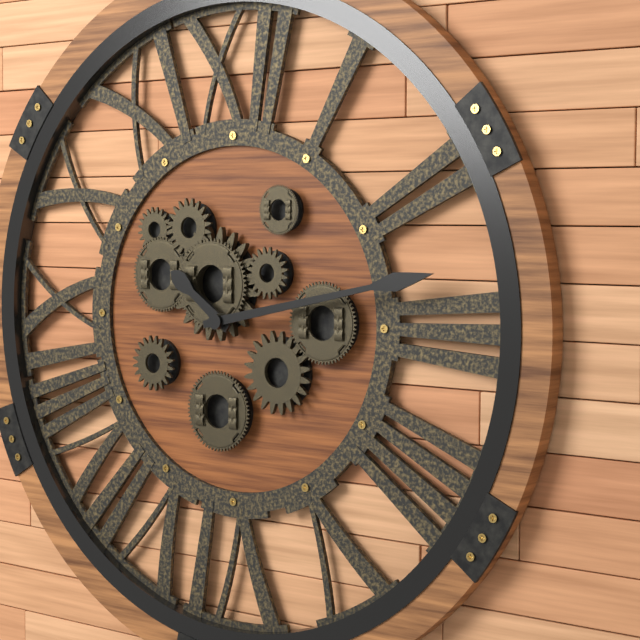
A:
h=10 m=13
